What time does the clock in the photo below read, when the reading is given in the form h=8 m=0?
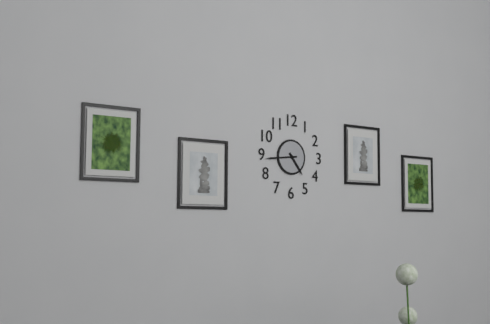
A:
h=4 m=44
